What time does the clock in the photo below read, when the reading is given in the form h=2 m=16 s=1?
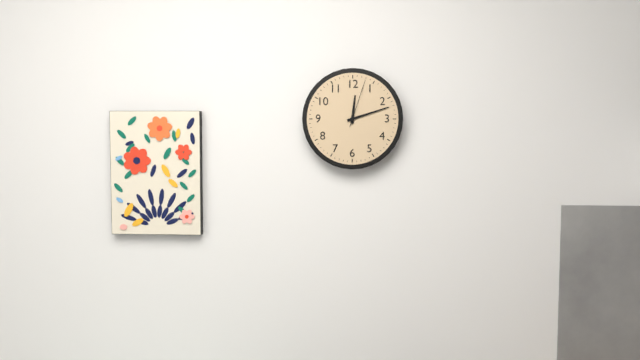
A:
h=12 m=12 s=3
